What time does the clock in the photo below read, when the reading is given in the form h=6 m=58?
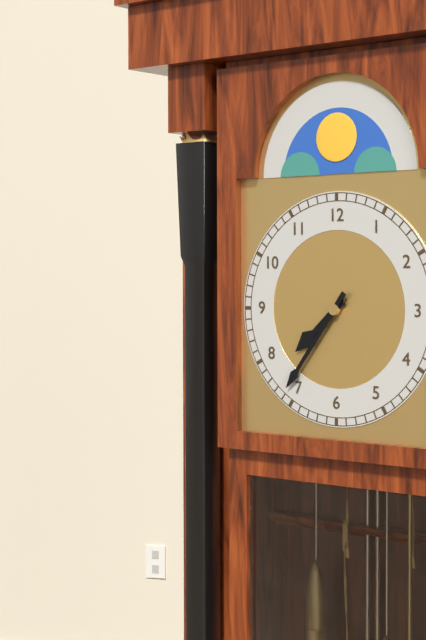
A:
h=7 m=36
